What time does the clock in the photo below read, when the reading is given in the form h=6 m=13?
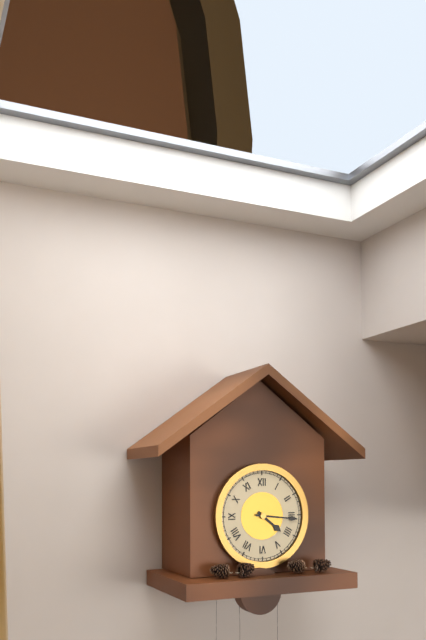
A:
h=4 m=16
